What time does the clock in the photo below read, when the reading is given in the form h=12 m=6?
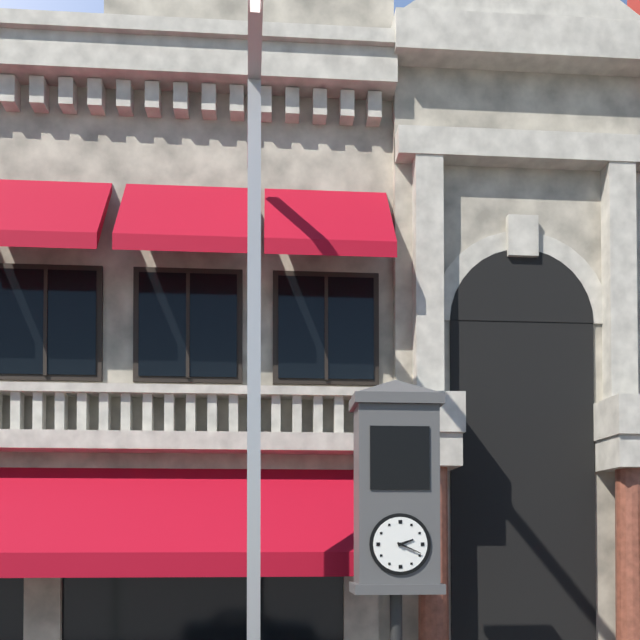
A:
h=2 m=19
